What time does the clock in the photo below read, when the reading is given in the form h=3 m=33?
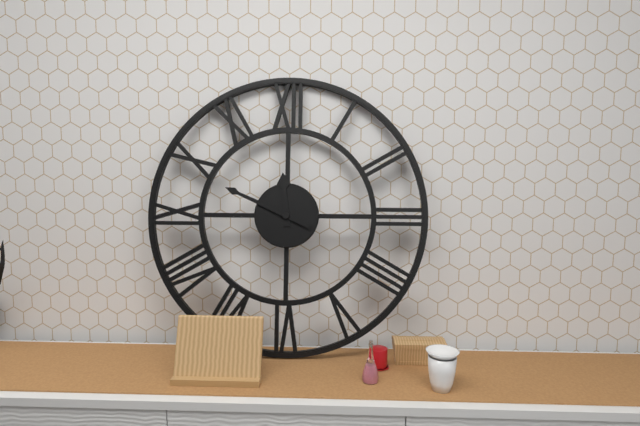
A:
h=11 m=49
